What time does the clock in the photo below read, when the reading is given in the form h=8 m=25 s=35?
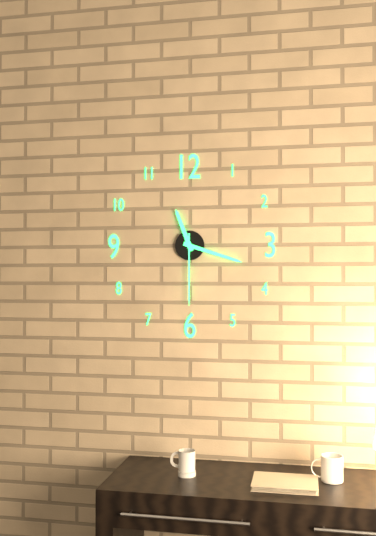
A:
h=11 m=18 s=30
